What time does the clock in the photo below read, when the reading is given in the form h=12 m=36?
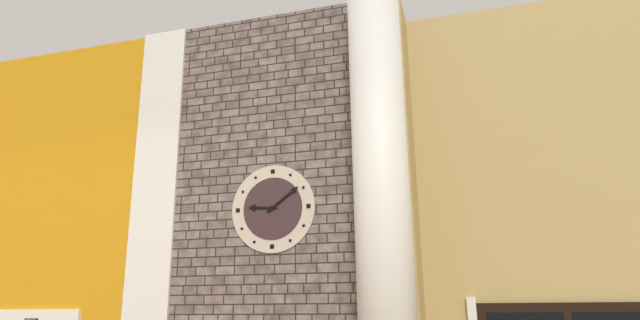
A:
h=9 m=9
